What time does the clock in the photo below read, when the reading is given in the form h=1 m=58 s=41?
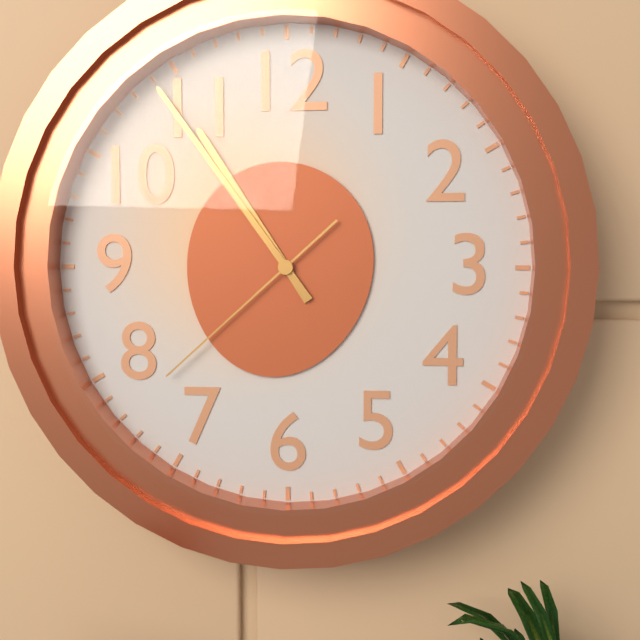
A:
h=10 m=54 s=38
